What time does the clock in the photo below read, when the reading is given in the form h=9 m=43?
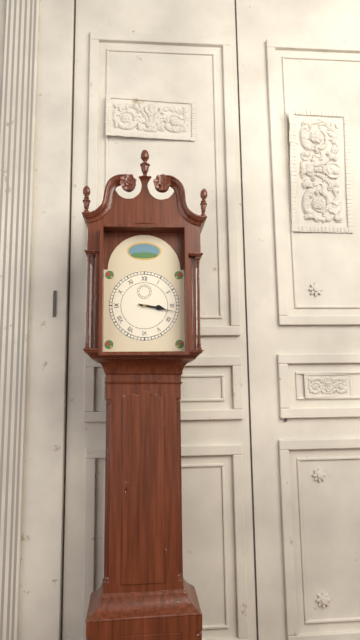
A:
h=3 m=17
